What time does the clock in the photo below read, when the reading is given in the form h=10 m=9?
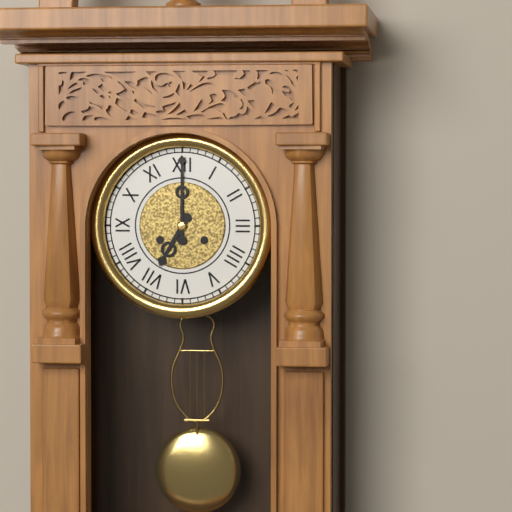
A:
h=7 m=0
